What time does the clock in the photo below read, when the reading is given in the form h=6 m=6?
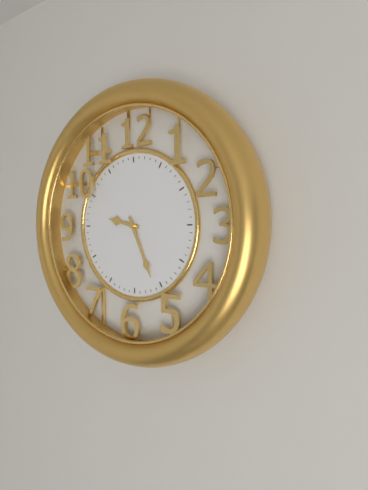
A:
h=9 m=26
